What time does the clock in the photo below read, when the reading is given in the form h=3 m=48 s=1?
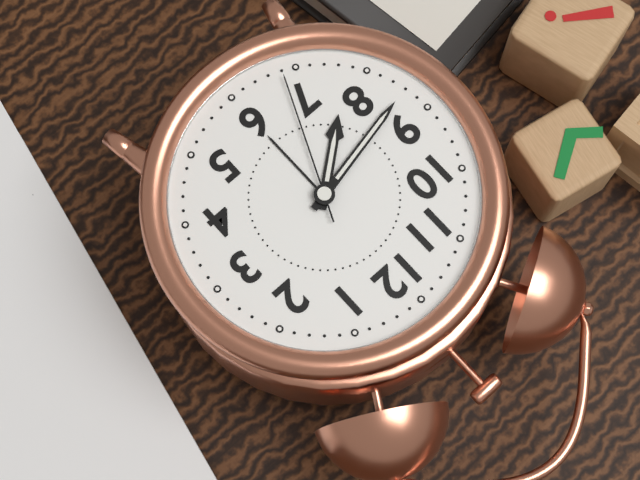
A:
h=7 m=43 s=34
